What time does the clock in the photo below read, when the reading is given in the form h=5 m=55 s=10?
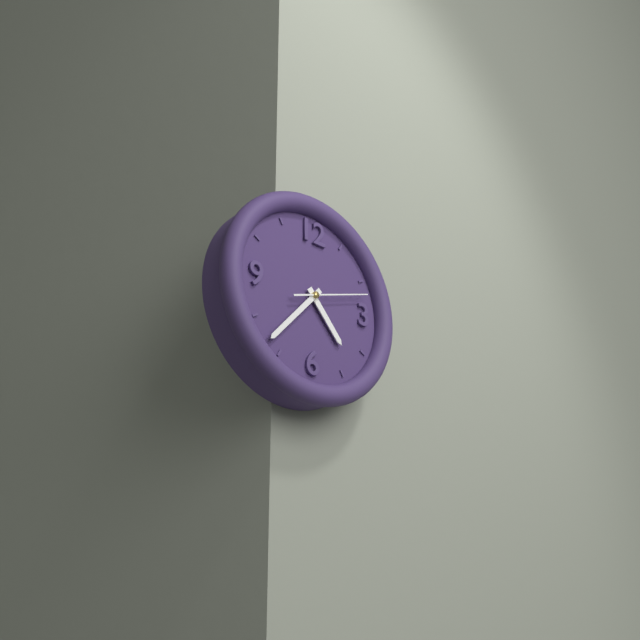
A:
h=4 m=37 s=12
